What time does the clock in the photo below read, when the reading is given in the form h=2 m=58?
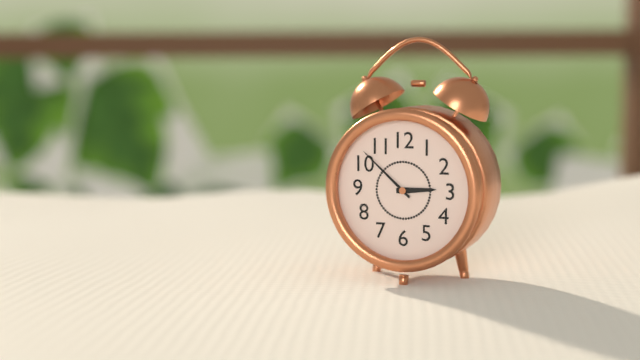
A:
h=2 m=52
